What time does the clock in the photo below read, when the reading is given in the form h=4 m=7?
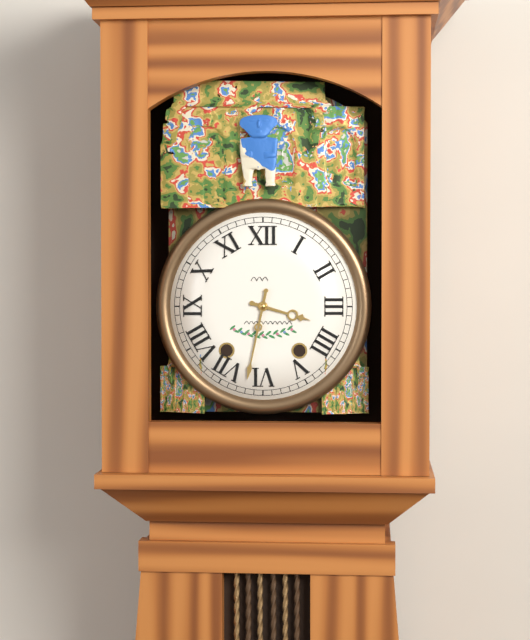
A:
h=3 m=32
